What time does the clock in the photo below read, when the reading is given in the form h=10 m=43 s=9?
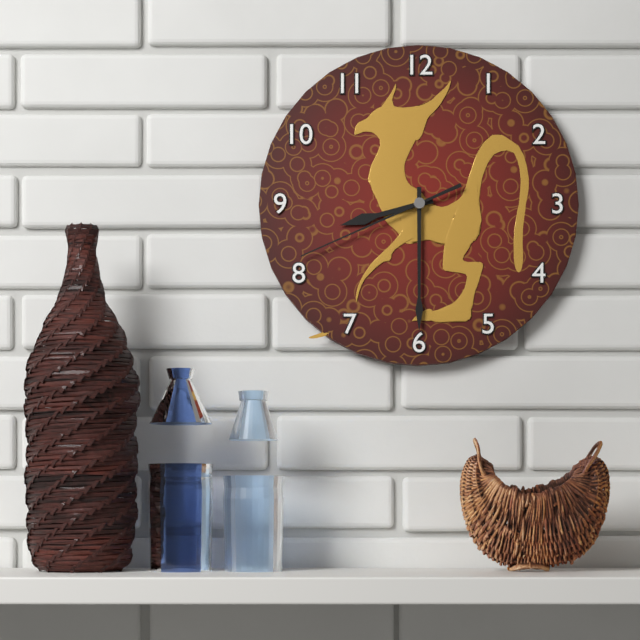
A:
h=8 m=30 s=41
